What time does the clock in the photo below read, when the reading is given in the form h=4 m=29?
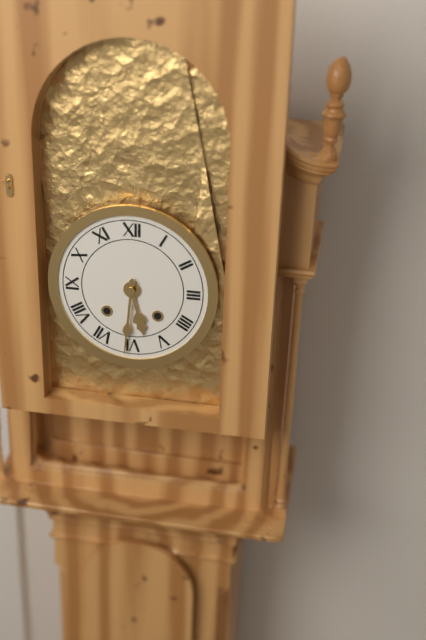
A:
h=5 m=31
